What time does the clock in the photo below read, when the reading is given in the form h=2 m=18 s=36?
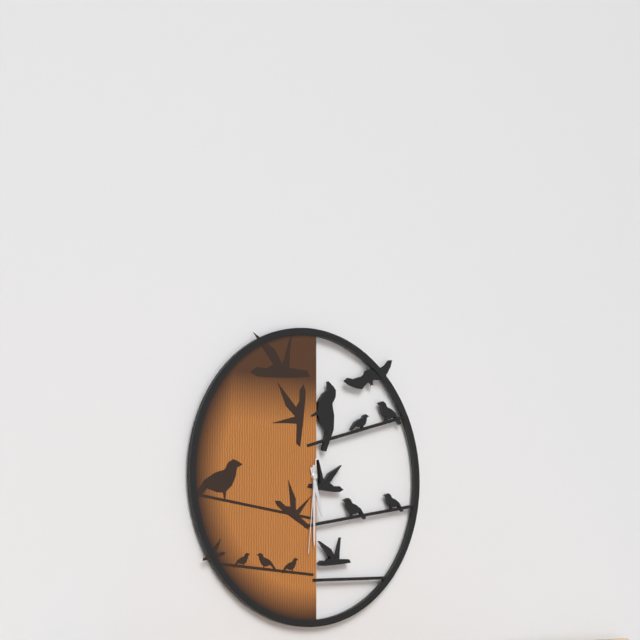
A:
h=5 m=30 s=31
